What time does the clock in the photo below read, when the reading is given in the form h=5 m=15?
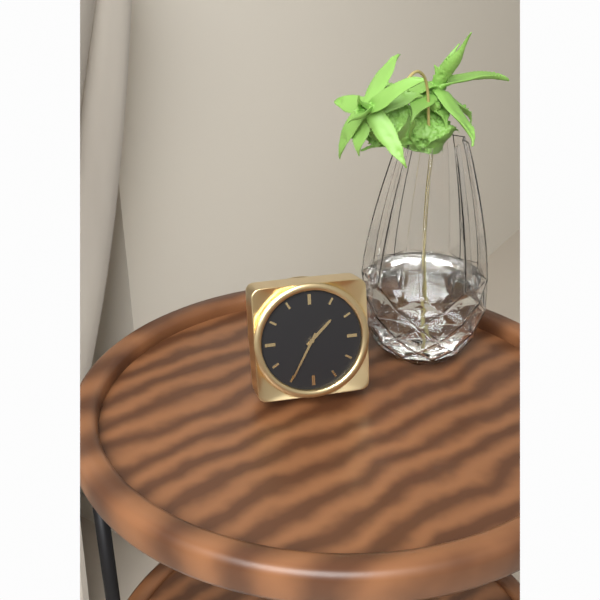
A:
h=1 m=35
